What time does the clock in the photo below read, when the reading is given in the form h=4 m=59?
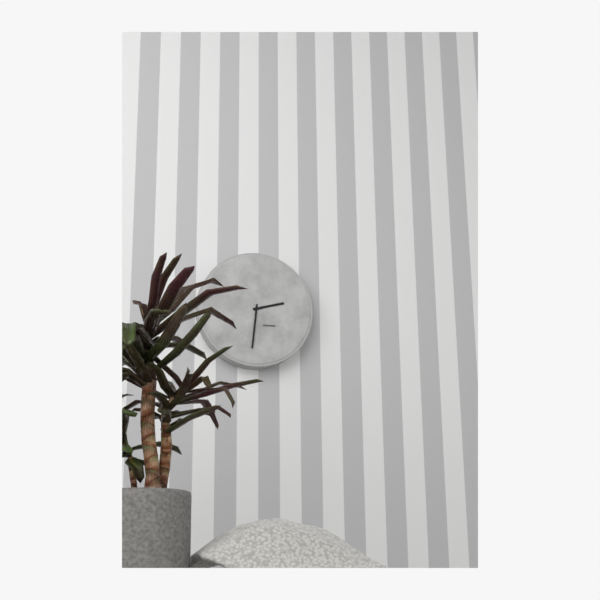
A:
h=2 m=31
